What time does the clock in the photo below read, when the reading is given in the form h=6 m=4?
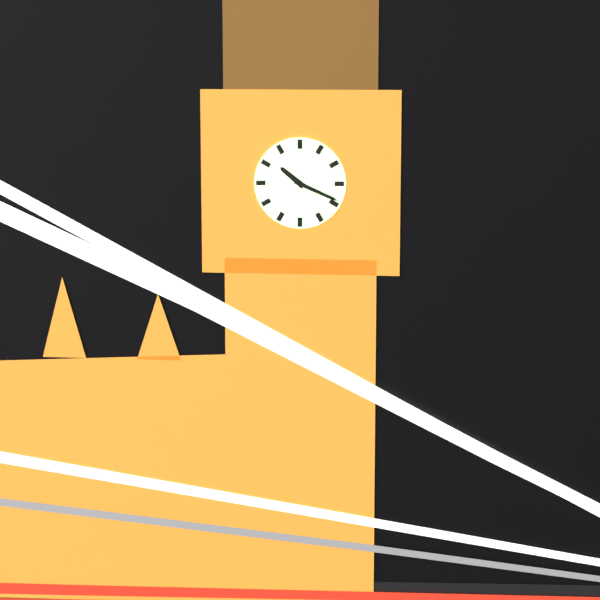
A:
h=10 m=19
